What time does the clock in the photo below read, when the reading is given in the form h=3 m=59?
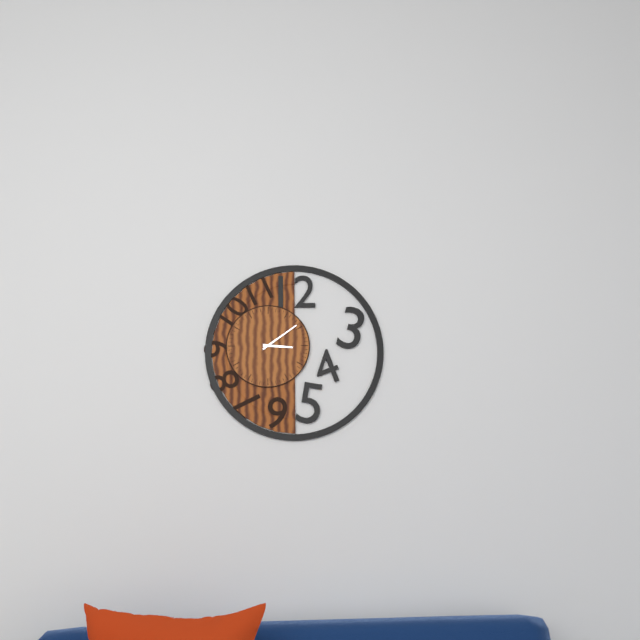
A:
h=3 m=9
